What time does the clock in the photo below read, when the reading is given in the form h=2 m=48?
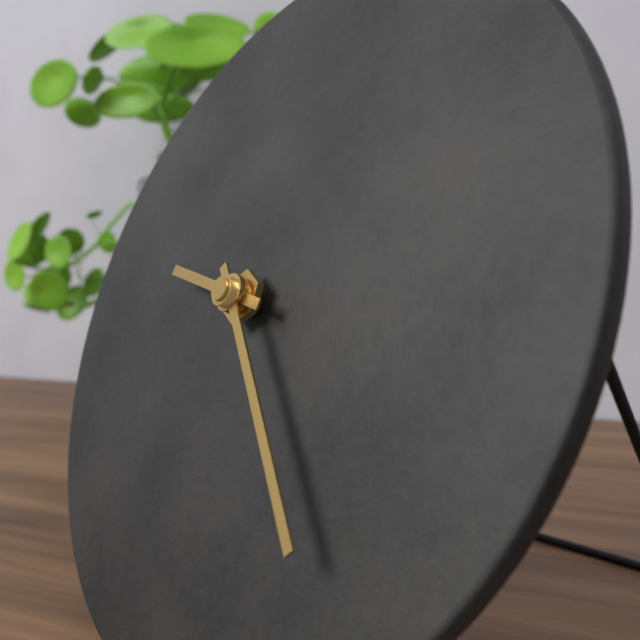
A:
h=9 m=23
